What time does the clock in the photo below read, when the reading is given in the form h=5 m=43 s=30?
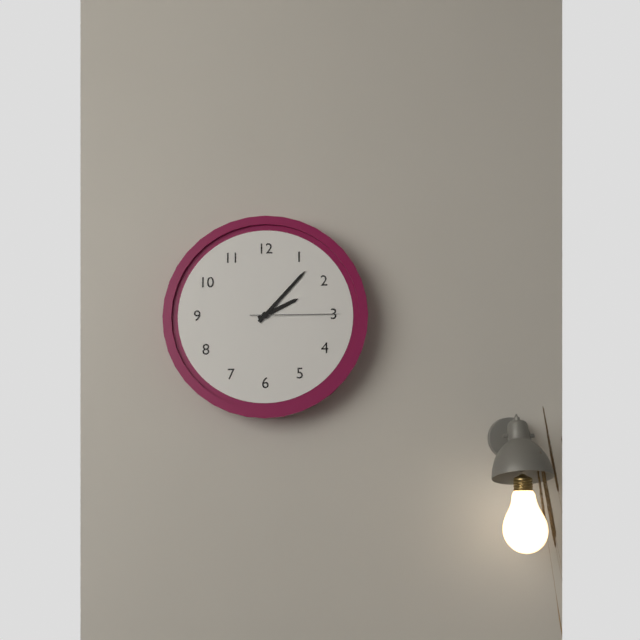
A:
h=2 m=7 s=15
